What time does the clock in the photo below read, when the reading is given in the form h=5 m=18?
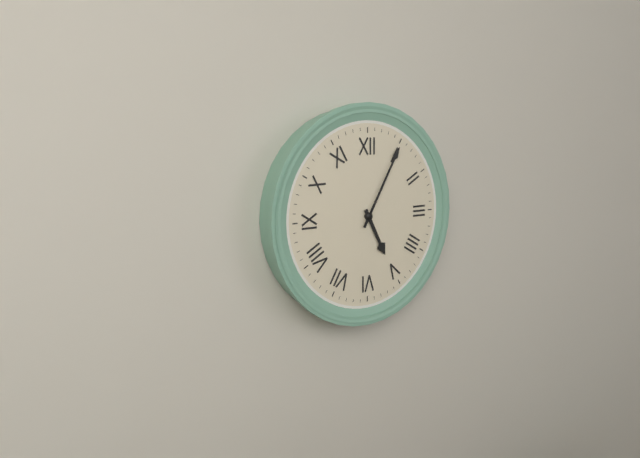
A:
h=5 m=5
